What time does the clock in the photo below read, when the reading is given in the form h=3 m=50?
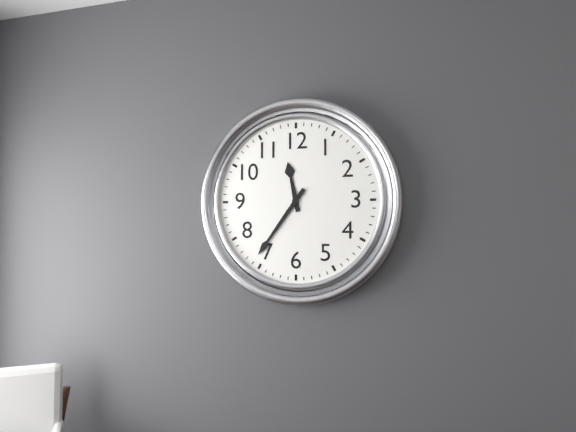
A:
h=11 m=36
